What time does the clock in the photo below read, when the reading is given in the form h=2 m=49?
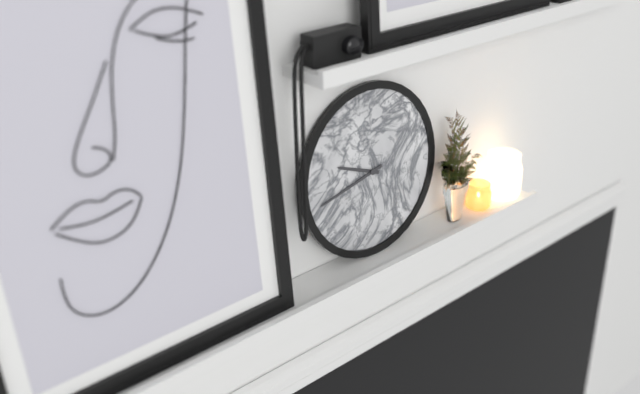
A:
h=9 m=43
